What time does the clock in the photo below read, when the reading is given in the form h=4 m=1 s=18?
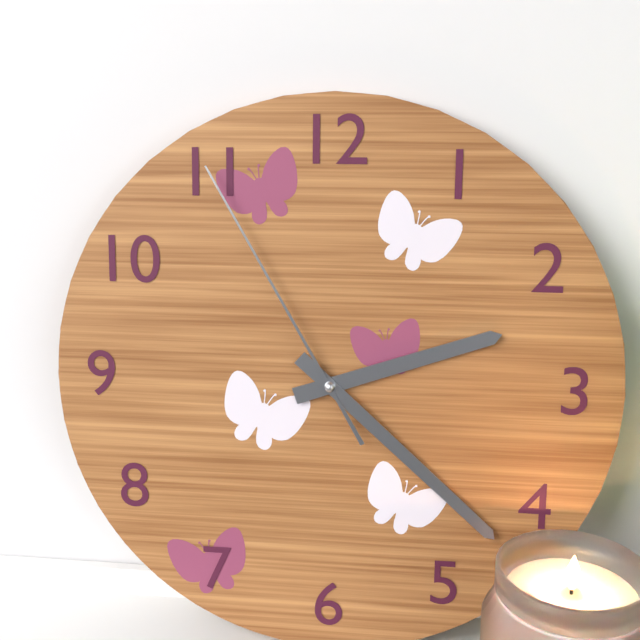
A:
h=2 m=22 s=55
